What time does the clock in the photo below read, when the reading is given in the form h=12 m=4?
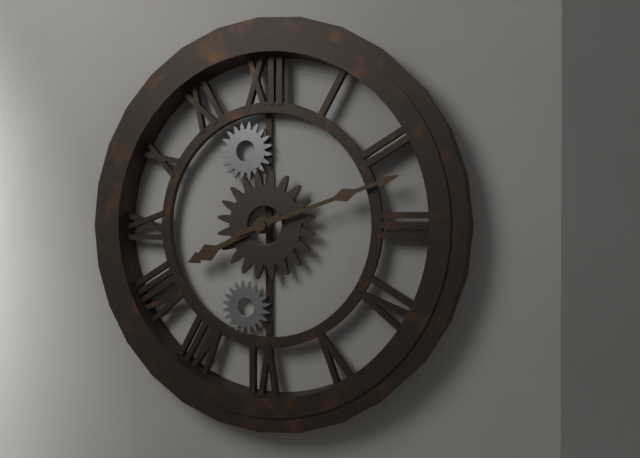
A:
h=8 m=12
